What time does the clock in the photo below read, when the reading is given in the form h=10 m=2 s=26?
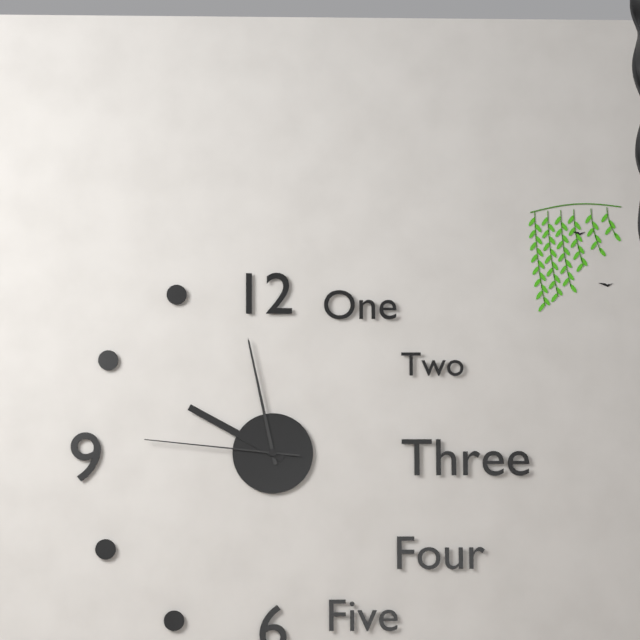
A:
h=9 m=58 s=46
